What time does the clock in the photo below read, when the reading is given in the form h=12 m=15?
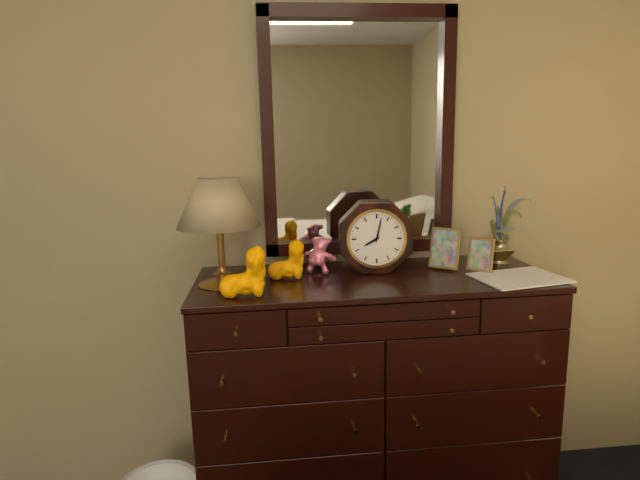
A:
h=8 m=2
